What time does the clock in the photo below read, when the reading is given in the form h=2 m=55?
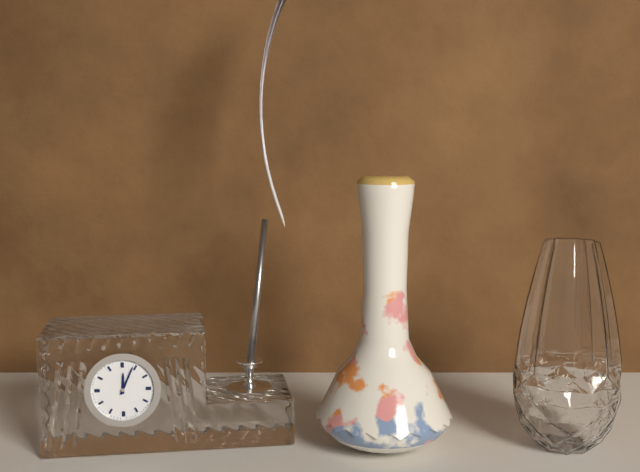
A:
h=12 m=4
